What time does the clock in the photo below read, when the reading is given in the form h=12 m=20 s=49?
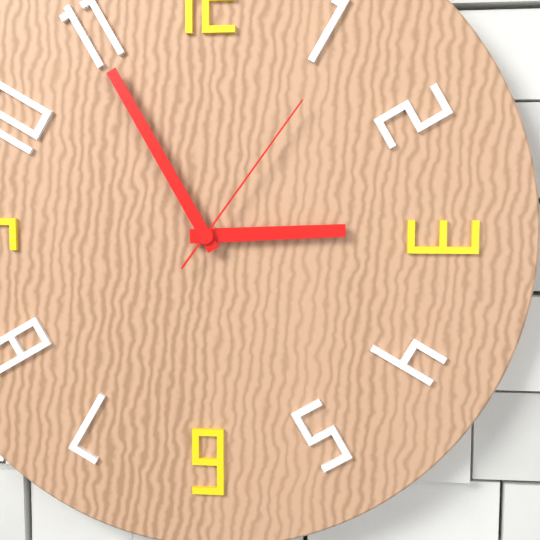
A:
h=2 m=55 s=6
